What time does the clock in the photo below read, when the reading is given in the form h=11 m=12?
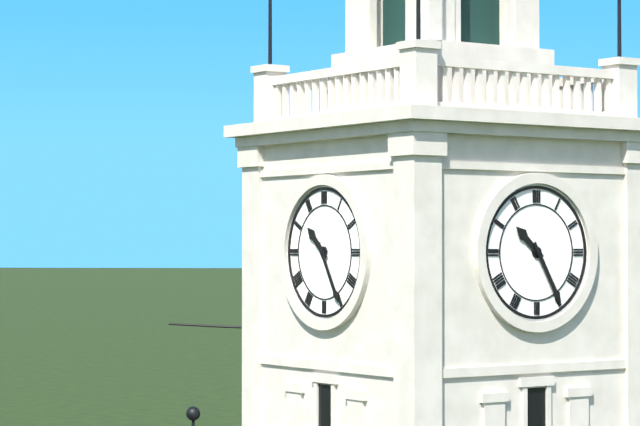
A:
h=10 m=25
